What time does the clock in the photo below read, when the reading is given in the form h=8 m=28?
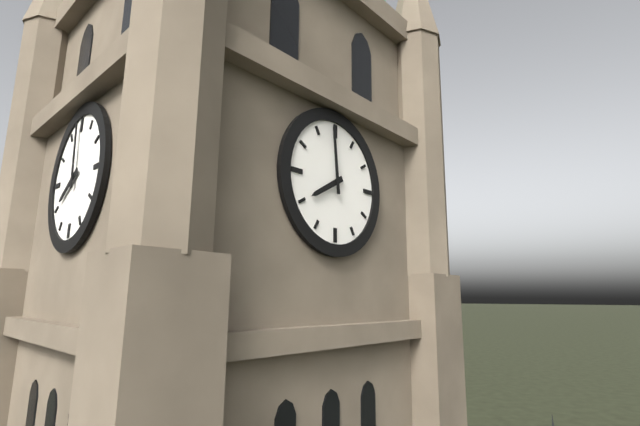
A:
h=7 m=59
